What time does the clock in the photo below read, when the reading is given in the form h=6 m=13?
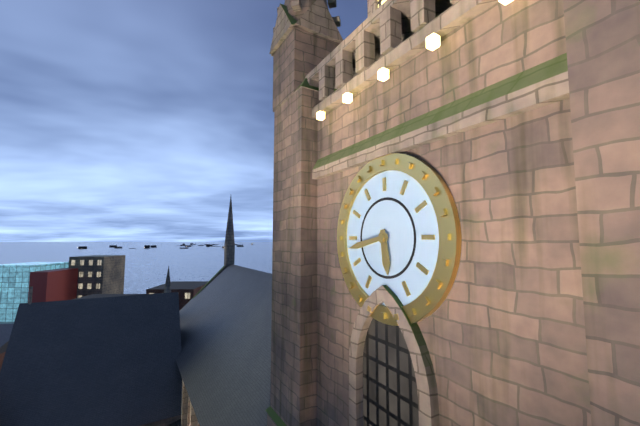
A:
h=5 m=43
